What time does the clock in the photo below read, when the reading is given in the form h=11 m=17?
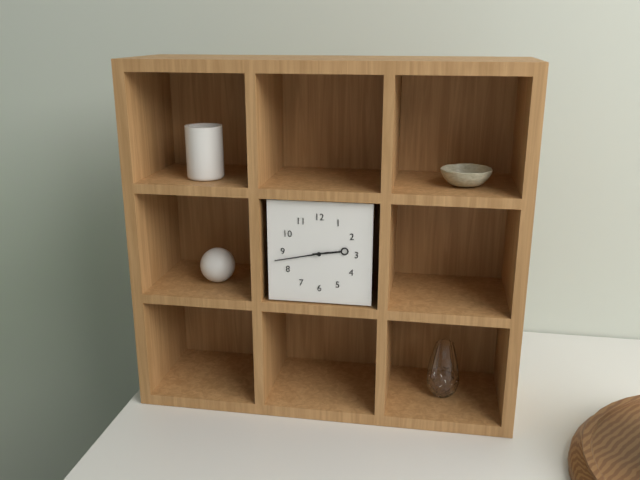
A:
h=2 m=43
